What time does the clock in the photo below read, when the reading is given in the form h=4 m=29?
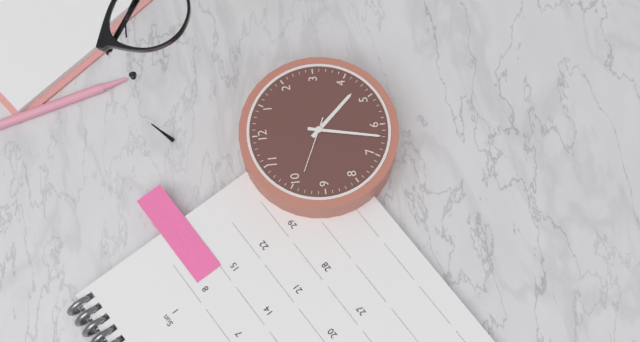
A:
h=4 m=32
